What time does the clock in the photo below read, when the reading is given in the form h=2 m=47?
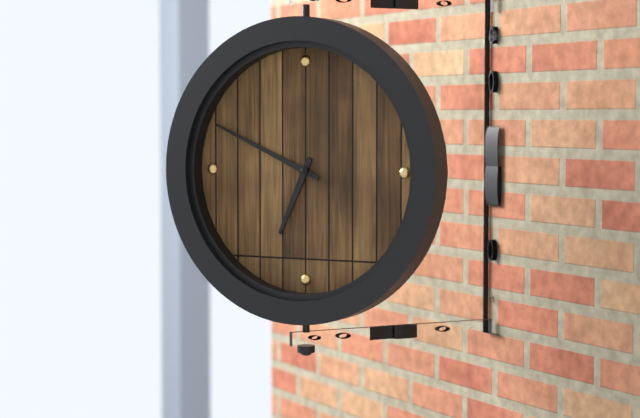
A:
h=6 m=49
